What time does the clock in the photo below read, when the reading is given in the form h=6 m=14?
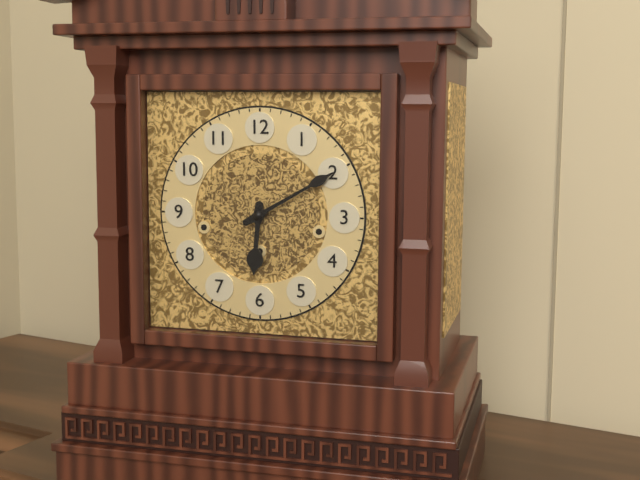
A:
h=6 m=10
